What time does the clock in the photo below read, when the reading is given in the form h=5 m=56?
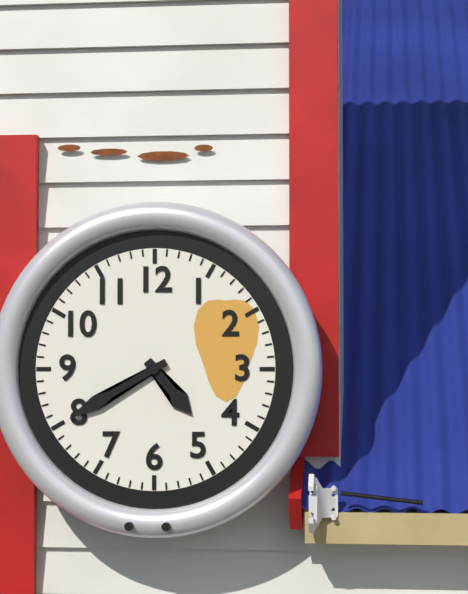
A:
h=4 m=40
